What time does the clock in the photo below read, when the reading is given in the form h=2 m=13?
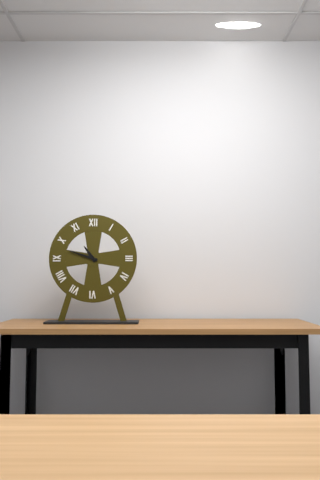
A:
h=10 m=48
